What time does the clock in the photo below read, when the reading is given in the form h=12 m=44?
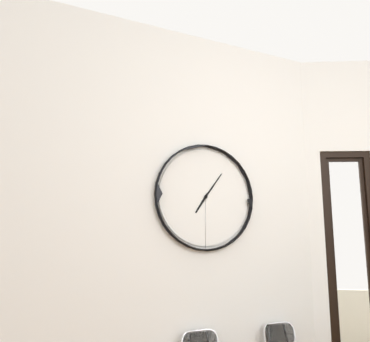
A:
h=7 m=6
